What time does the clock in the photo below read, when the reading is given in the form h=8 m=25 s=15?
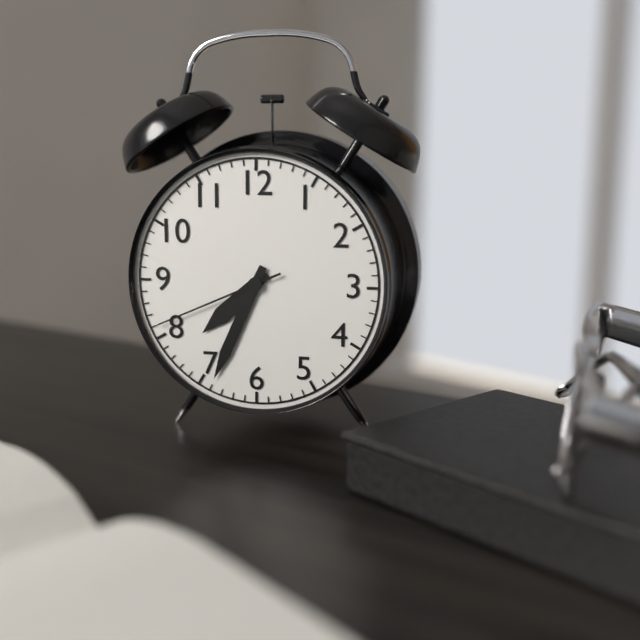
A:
h=7 m=34 s=41
